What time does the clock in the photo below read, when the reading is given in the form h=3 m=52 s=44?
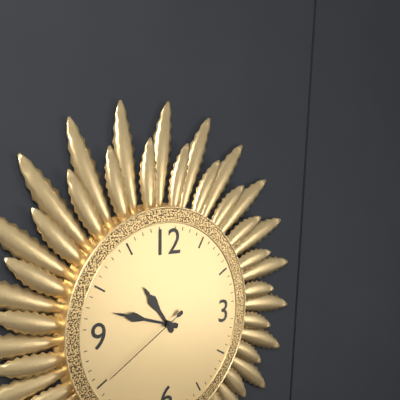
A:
h=10 m=48 s=40
